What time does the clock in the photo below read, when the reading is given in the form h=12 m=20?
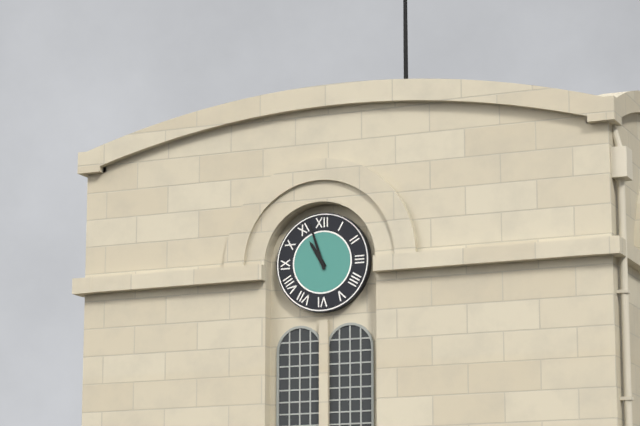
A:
h=10 m=57
